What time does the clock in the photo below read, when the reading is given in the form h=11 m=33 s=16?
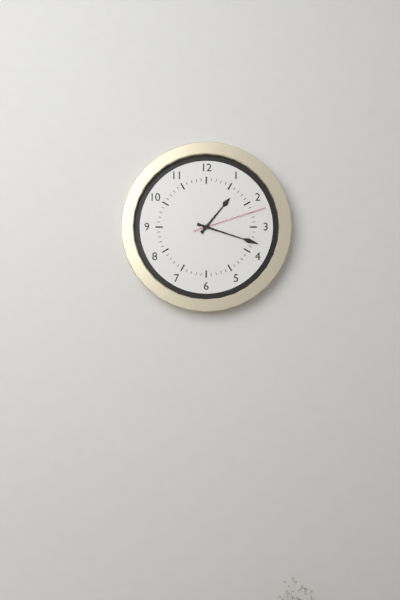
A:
h=1 m=18 s=12
